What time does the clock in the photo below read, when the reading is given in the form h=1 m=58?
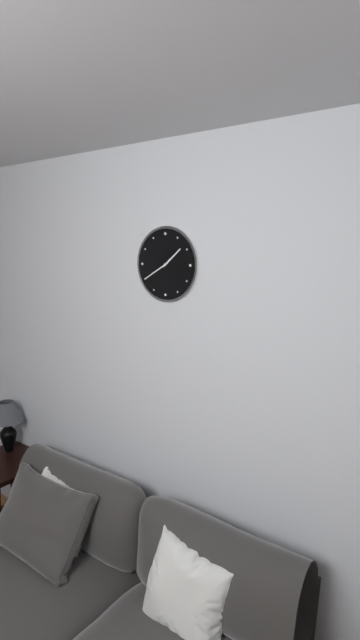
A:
h=1 m=40
